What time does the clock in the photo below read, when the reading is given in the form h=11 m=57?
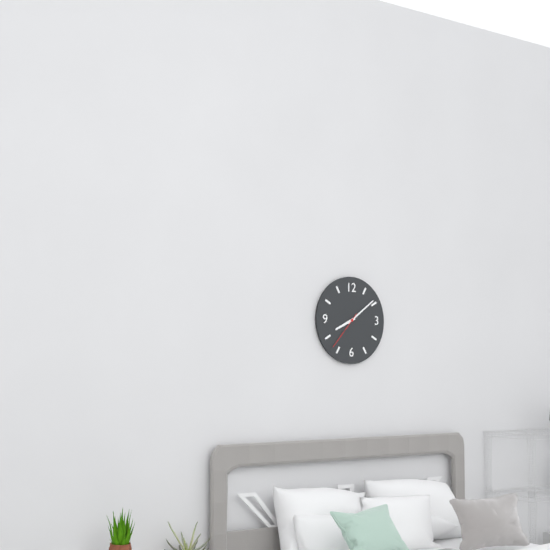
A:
h=8 m=9
